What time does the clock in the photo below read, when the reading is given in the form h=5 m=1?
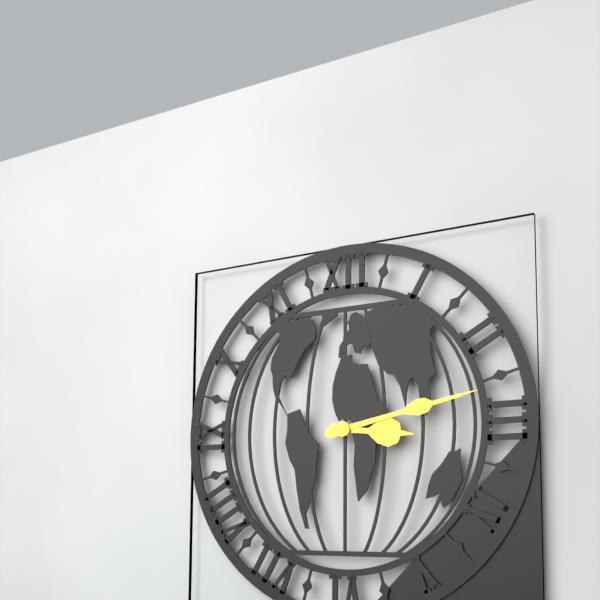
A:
h=3 m=13
